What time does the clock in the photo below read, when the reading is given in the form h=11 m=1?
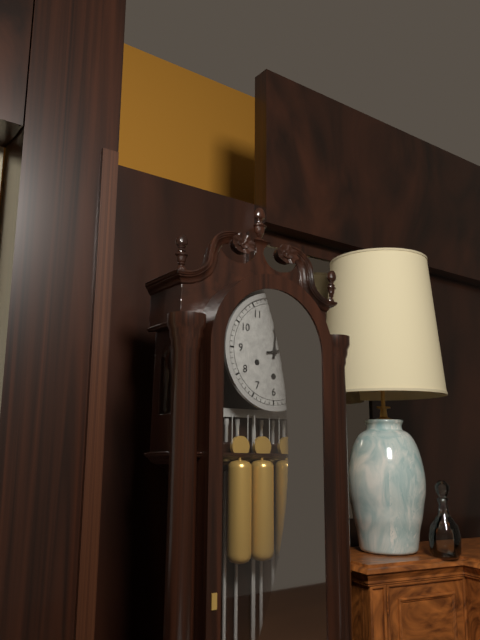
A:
h=12 m=13
